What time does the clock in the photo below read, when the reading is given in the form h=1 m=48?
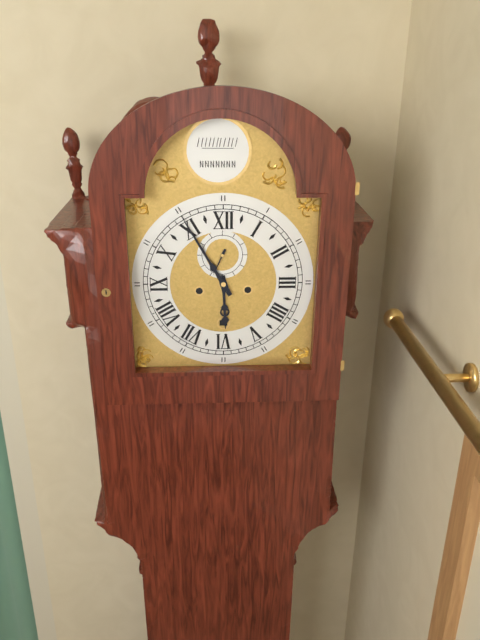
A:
h=5 m=55
